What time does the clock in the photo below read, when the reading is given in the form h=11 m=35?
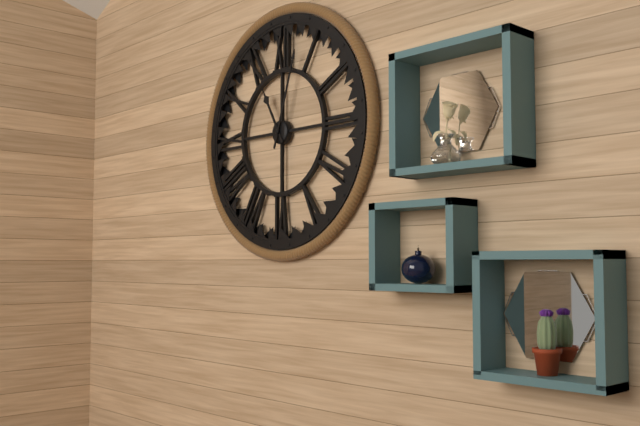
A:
h=11 m=3
